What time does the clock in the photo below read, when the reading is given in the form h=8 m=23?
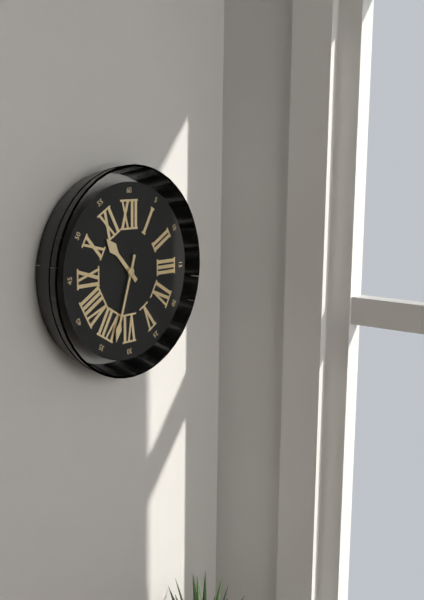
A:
h=10 m=33
